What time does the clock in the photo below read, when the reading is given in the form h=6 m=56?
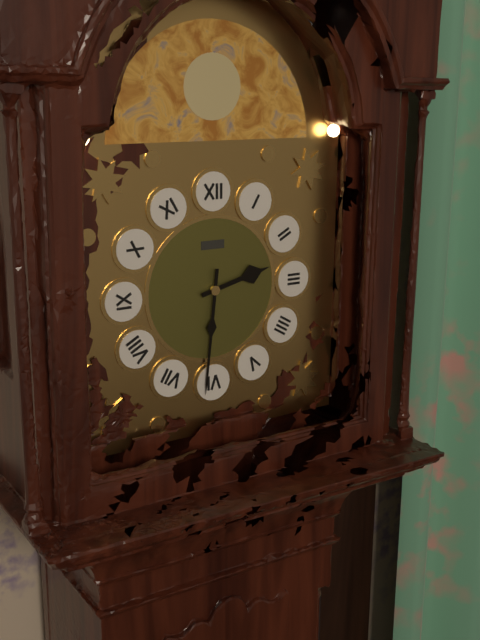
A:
h=2 m=31
